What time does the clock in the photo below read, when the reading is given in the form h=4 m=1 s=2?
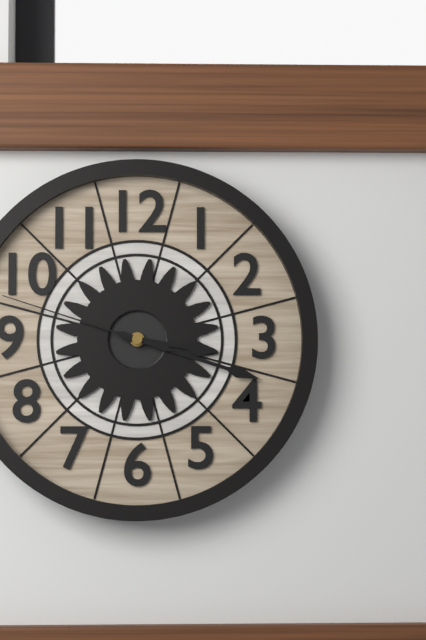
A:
h=3 m=18 s=48
